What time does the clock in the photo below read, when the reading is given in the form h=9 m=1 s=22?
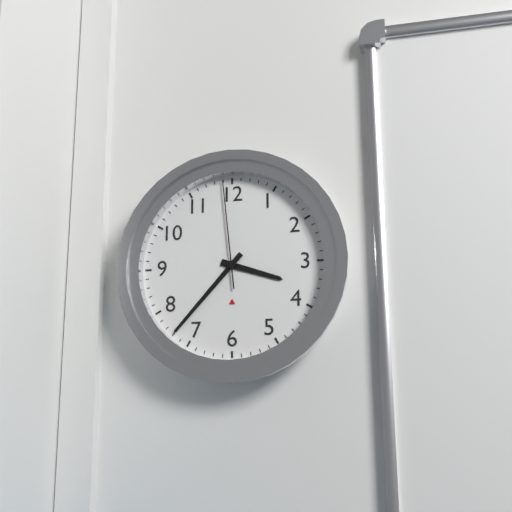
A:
h=3 m=37 s=59
